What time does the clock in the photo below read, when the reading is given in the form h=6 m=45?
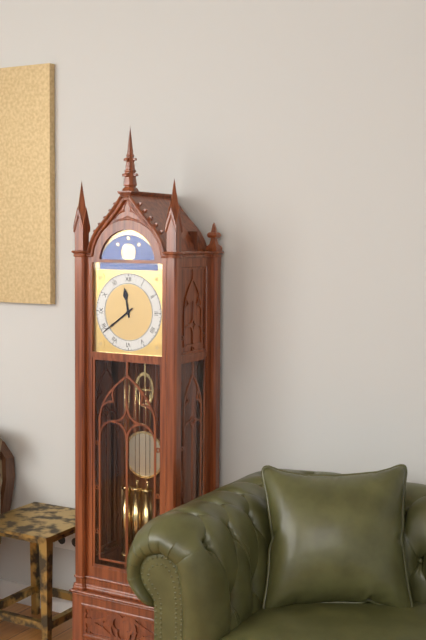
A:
h=11 m=39
